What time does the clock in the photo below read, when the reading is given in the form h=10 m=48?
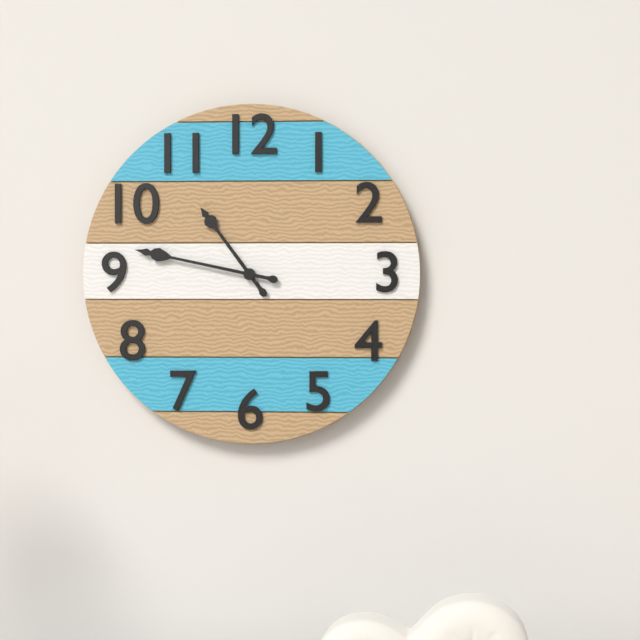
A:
h=10 m=47
